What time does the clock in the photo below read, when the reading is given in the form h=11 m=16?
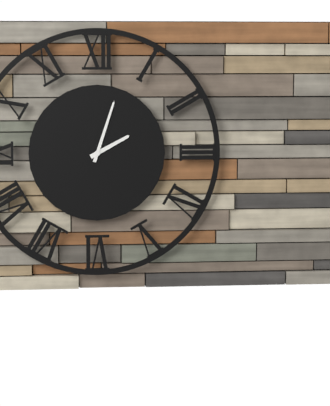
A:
h=2 m=3
